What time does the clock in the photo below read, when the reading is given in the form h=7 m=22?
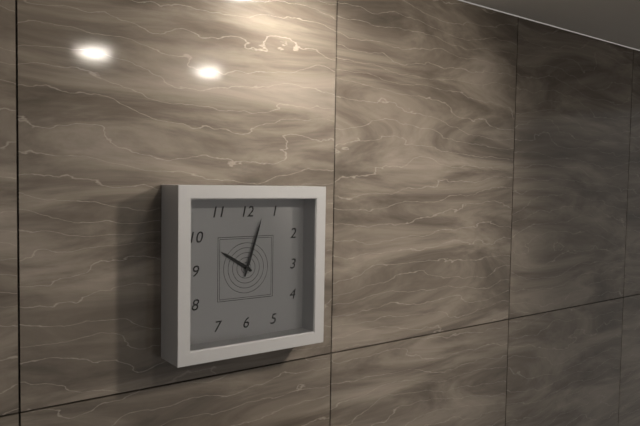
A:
h=10 m=3
